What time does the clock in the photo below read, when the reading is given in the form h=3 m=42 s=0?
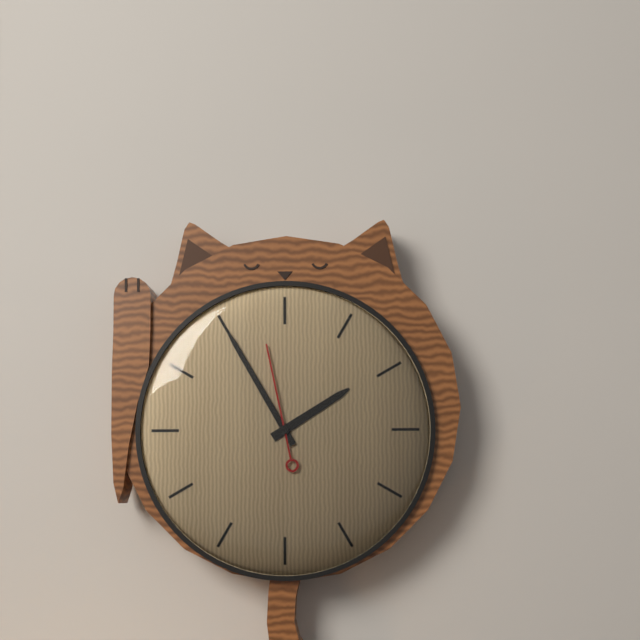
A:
h=1 m=55 s=58
